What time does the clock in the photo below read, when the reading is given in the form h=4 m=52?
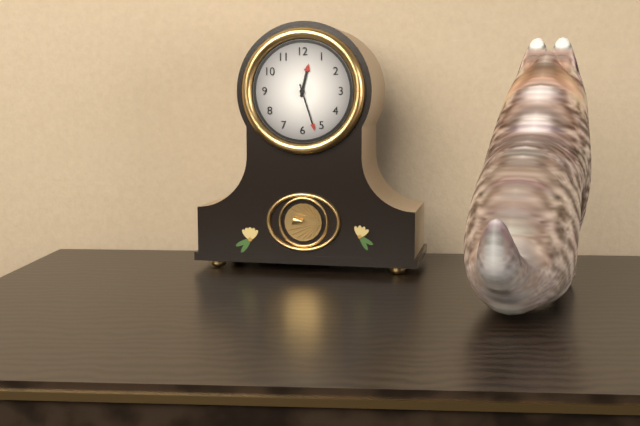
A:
h=12 m=27
